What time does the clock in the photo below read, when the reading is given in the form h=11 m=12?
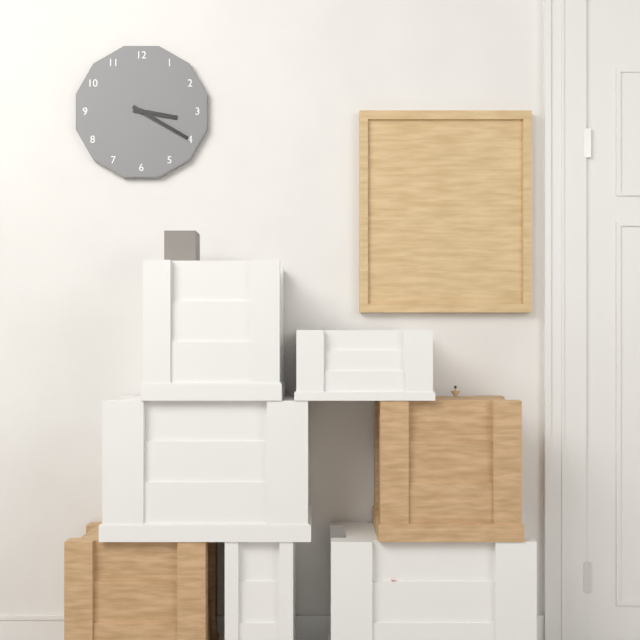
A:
h=3 m=20
